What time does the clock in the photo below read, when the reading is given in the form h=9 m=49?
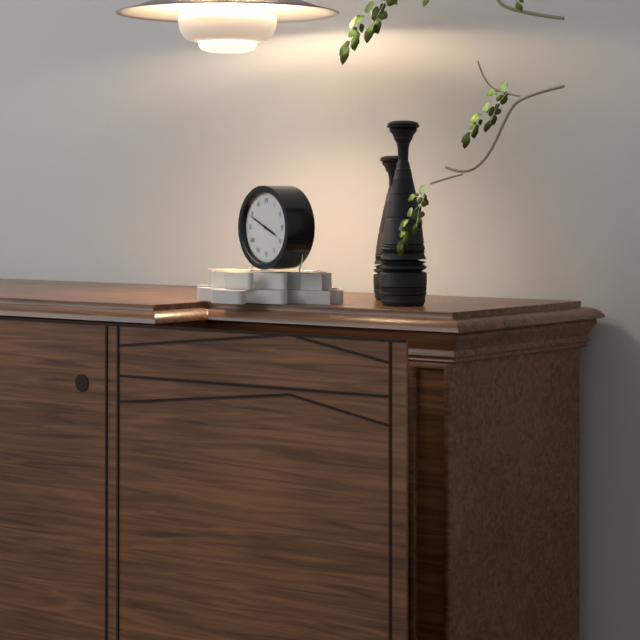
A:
h=3 m=49
